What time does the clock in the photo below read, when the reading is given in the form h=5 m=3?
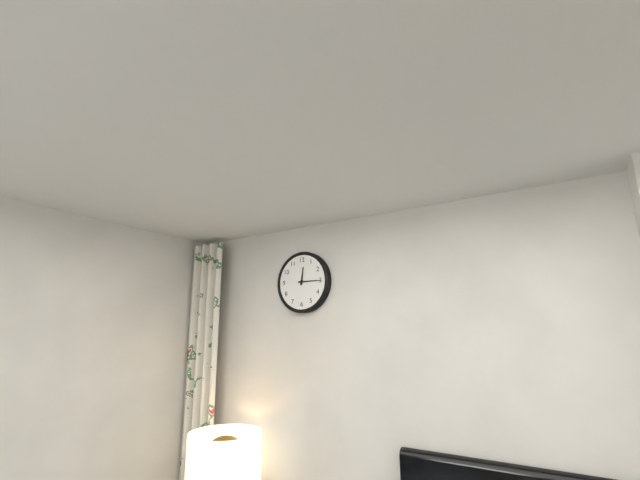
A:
h=12 m=15
